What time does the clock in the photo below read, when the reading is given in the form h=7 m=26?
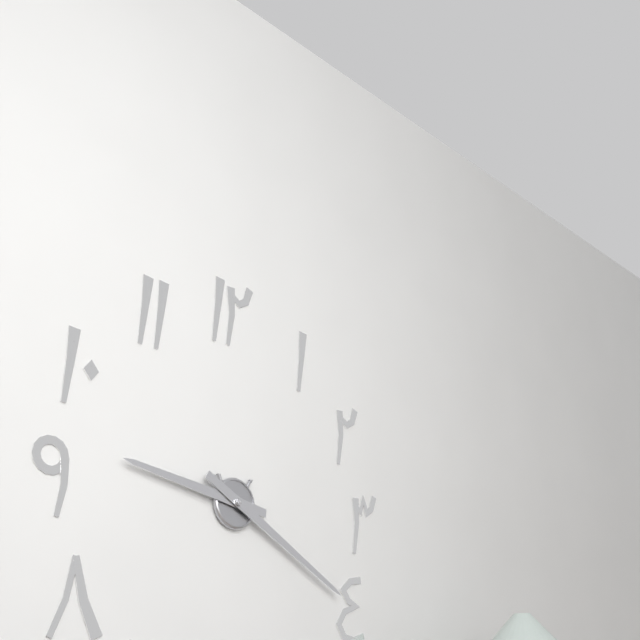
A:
h=9 m=20
